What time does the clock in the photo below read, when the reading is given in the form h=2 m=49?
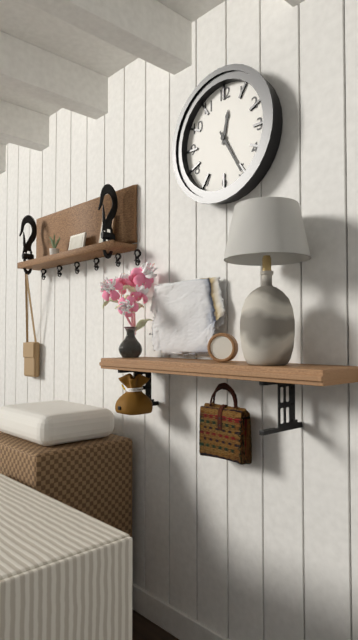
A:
h=12 m=25
